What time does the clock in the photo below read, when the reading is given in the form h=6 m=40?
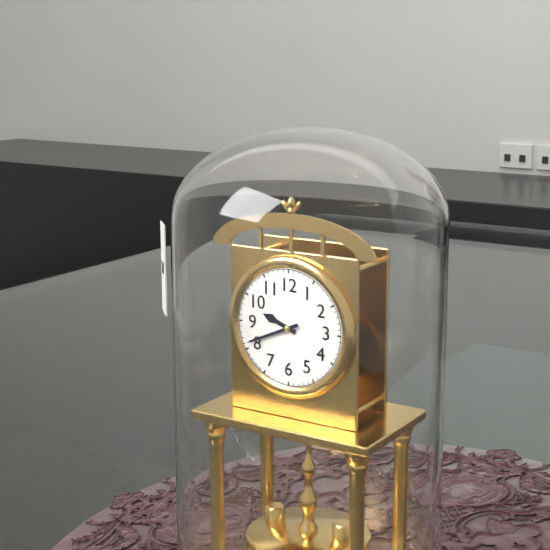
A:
h=9 m=41
